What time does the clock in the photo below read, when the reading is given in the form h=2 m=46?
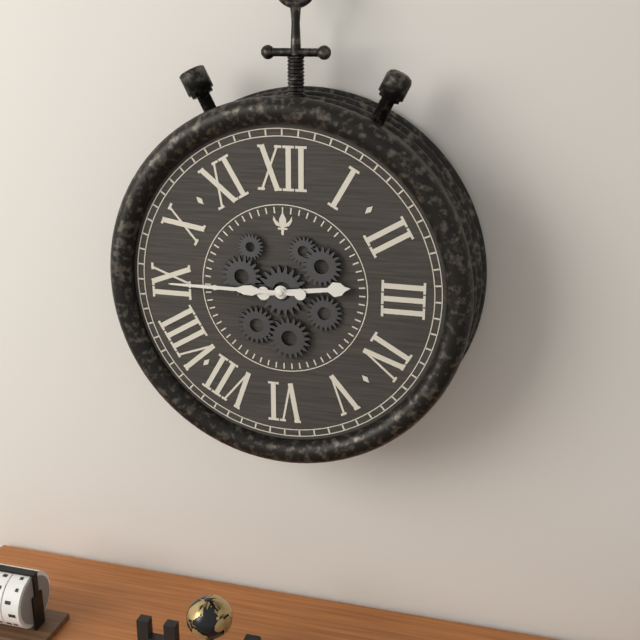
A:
h=2 m=45
